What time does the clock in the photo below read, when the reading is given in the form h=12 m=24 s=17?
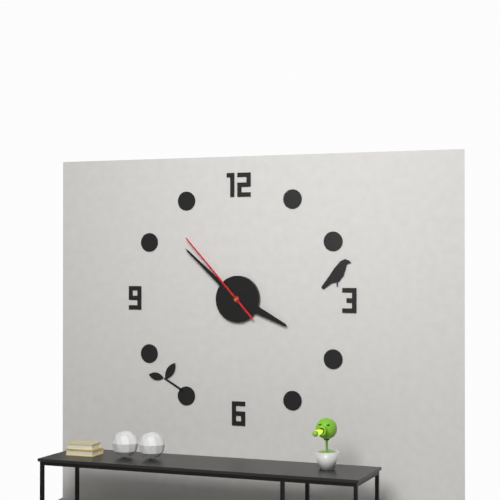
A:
h=3 m=52 s=53
